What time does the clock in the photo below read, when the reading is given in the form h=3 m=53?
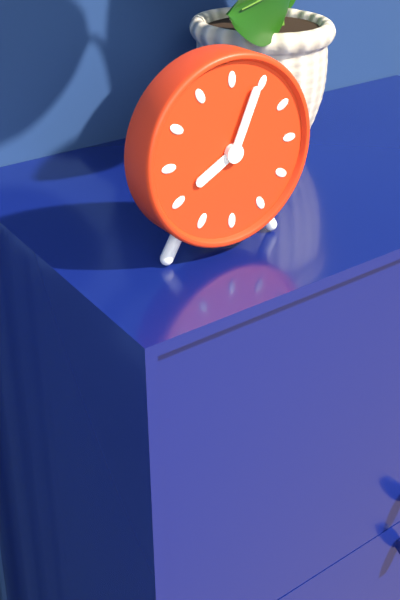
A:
h=8 m=4
